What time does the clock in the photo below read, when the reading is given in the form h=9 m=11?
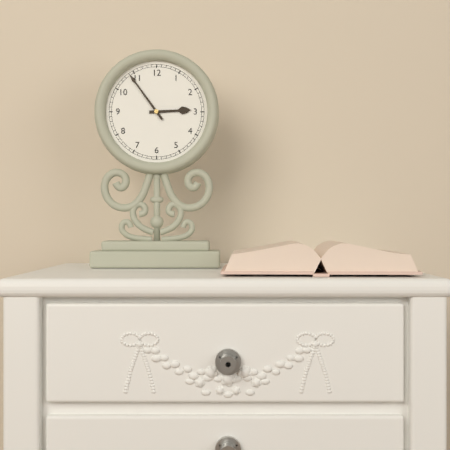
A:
h=2 m=54
